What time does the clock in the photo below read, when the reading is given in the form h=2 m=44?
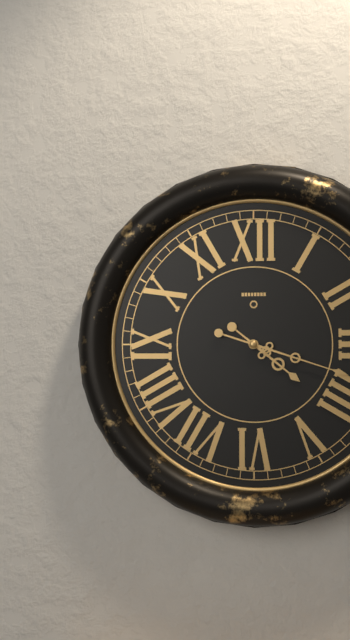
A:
h=4 m=18
